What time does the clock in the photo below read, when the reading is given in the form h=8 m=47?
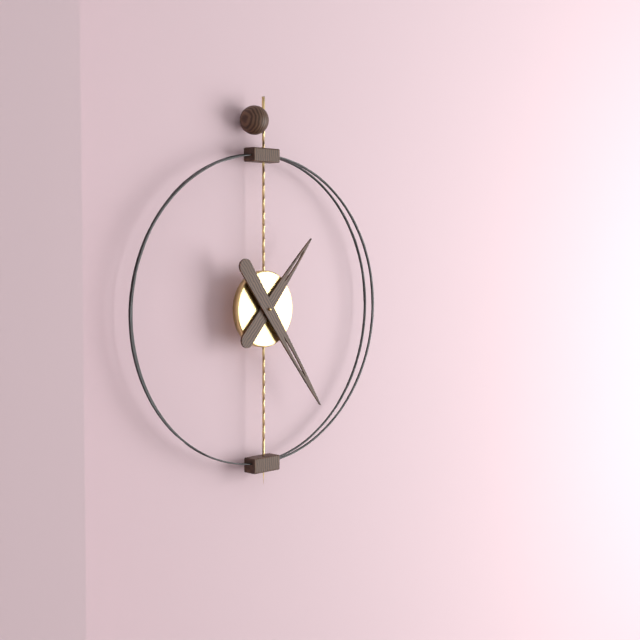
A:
h=1 m=24
